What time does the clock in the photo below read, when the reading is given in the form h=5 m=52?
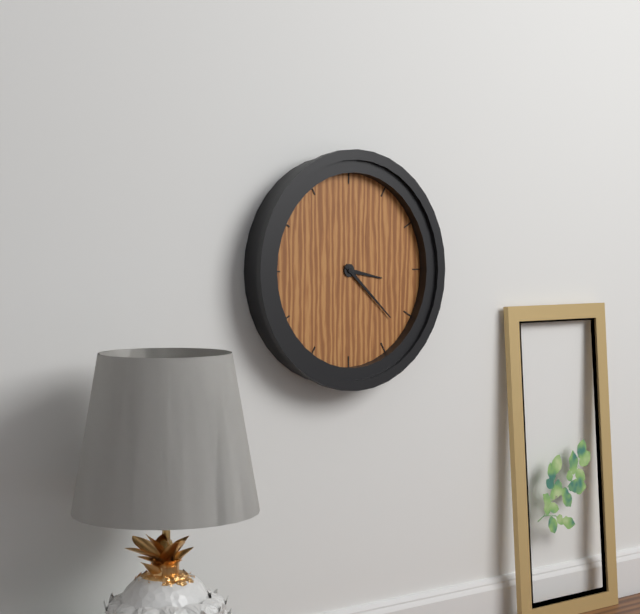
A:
h=3 m=22
